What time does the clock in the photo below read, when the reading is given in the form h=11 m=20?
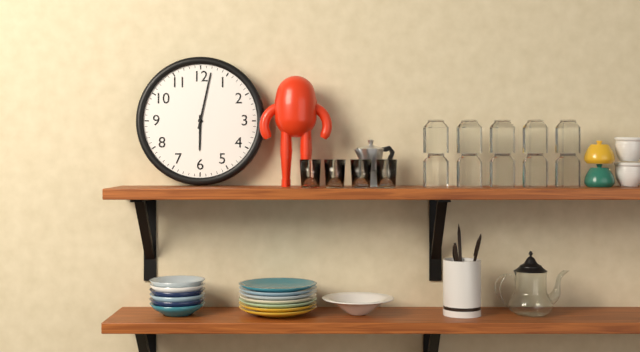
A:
h=6 m=2
